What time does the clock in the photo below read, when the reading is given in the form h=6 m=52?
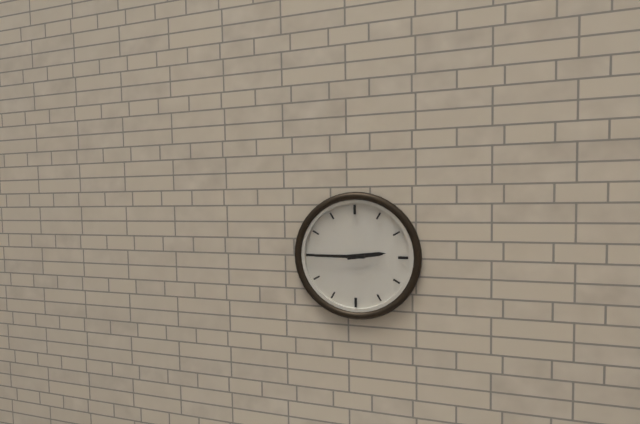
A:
h=2 m=45
